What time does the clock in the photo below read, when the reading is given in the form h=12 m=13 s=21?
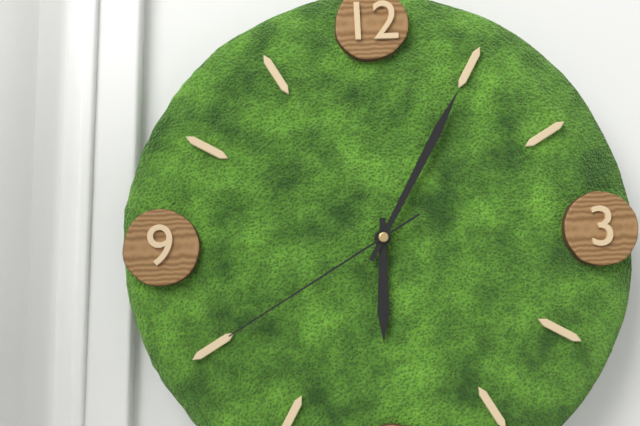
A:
h=6 m=5 s=40
